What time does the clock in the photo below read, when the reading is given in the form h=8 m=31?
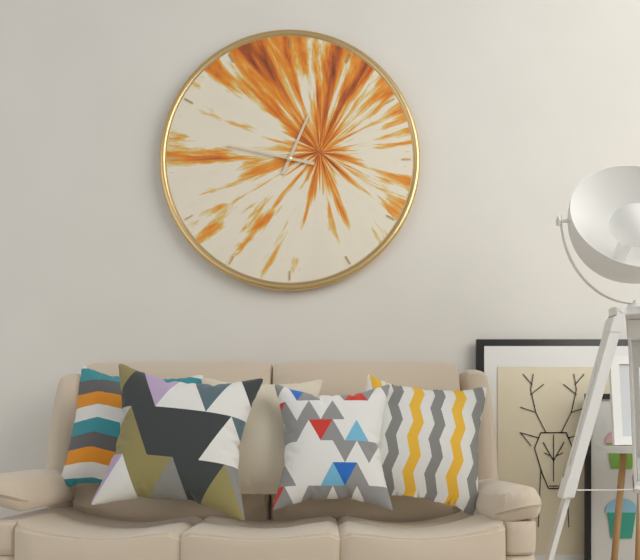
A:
h=12 m=47
